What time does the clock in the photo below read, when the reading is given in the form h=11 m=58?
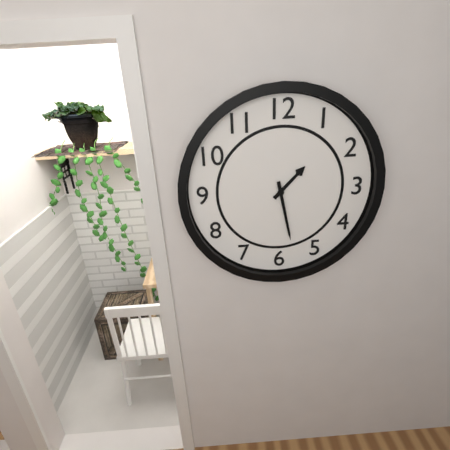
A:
h=1 m=28
